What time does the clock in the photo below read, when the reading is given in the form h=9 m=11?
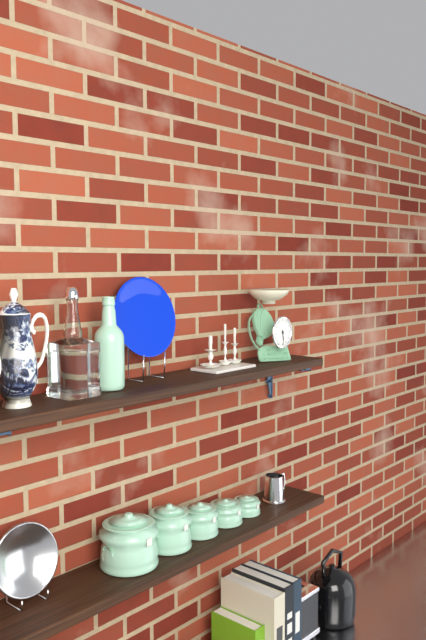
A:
h=5 m=29
